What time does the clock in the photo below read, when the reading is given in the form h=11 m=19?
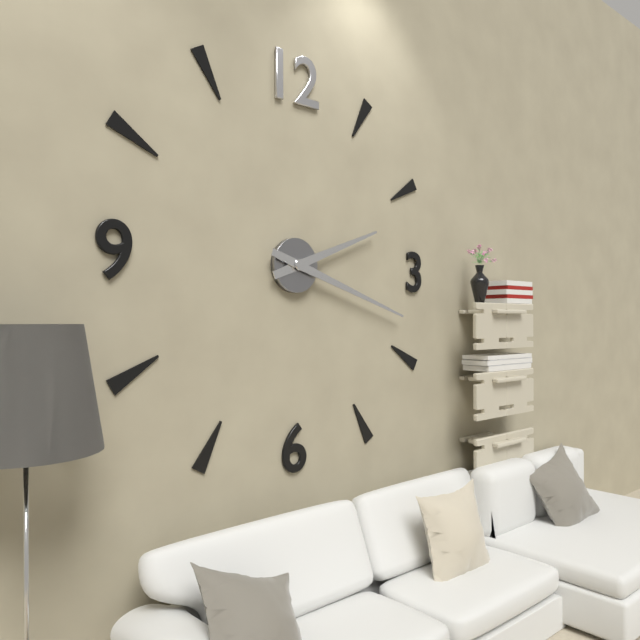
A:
h=2 m=18
